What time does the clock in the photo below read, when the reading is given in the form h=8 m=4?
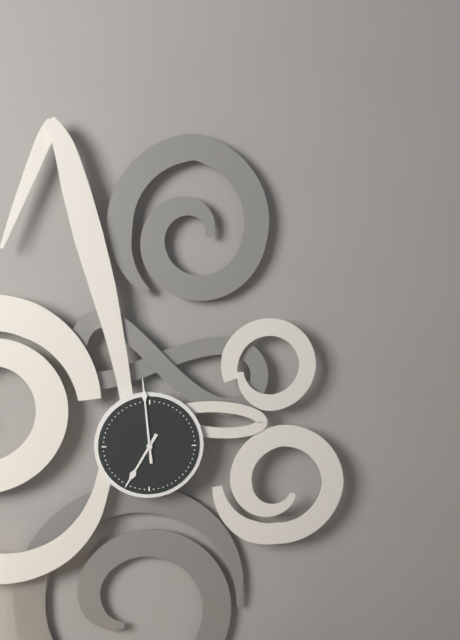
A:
h=6 m=59
